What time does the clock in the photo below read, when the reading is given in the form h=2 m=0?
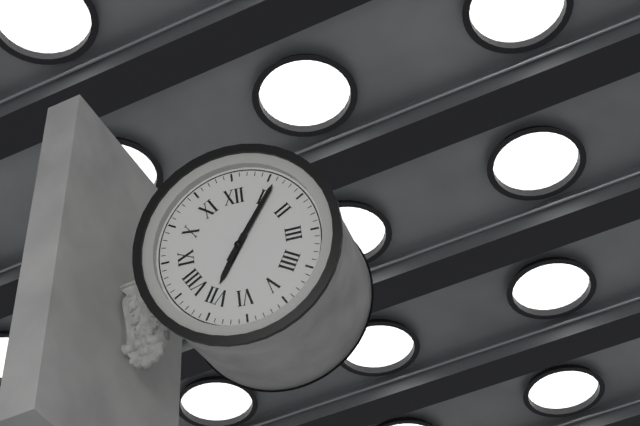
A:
h=7 m=6
